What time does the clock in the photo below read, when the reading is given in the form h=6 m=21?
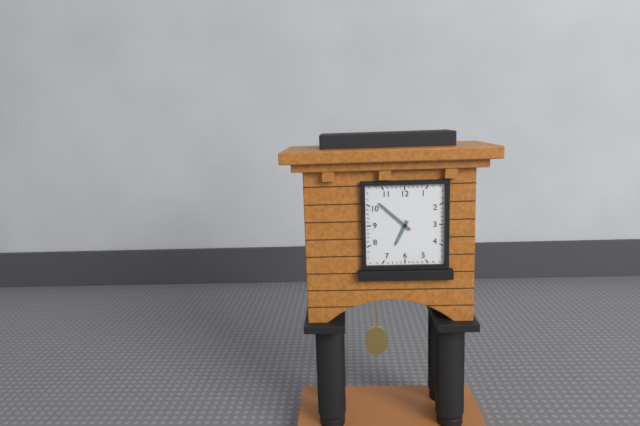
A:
h=6 m=52
